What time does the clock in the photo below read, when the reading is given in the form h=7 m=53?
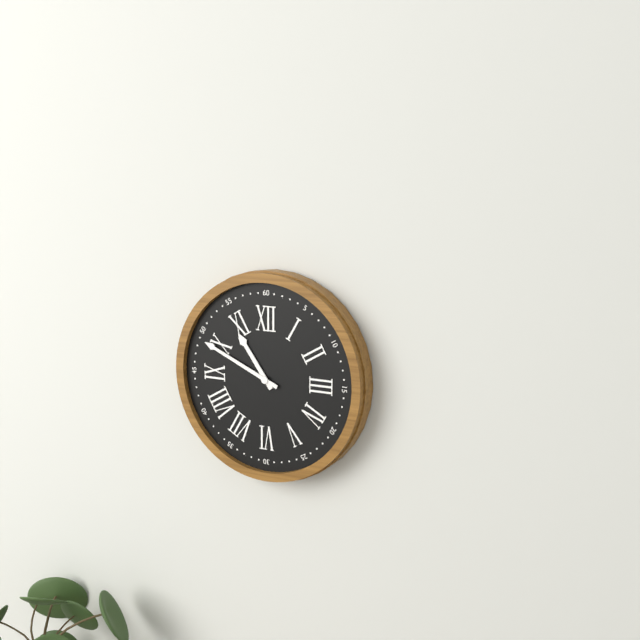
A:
h=10 m=49
